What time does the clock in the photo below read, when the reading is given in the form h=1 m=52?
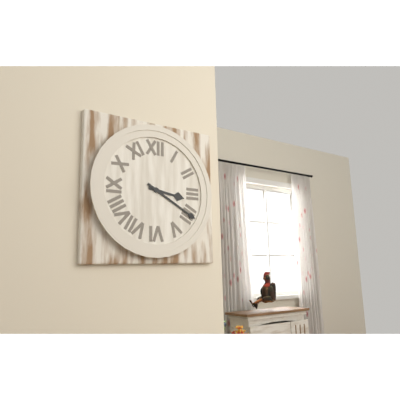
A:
h=3 m=20
